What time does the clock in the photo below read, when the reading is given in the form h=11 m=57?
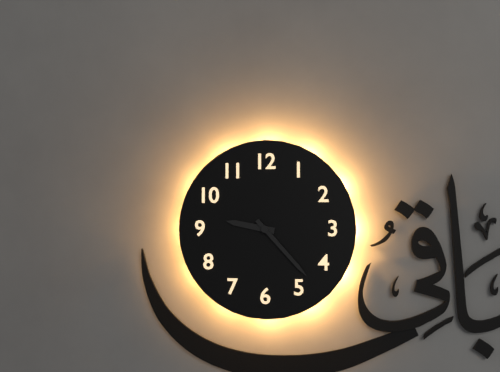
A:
h=9 m=23
